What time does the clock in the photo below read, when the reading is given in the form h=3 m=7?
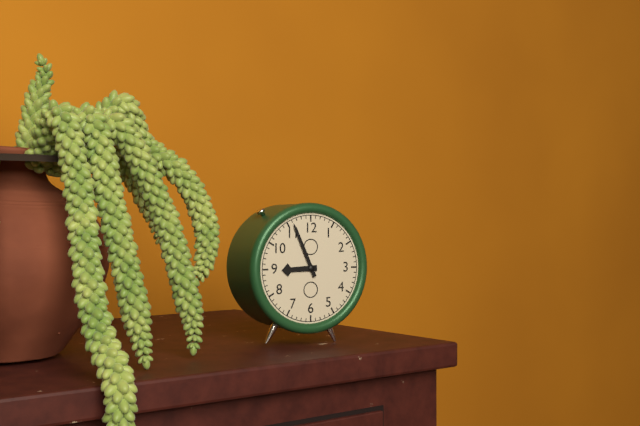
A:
h=8 m=56
